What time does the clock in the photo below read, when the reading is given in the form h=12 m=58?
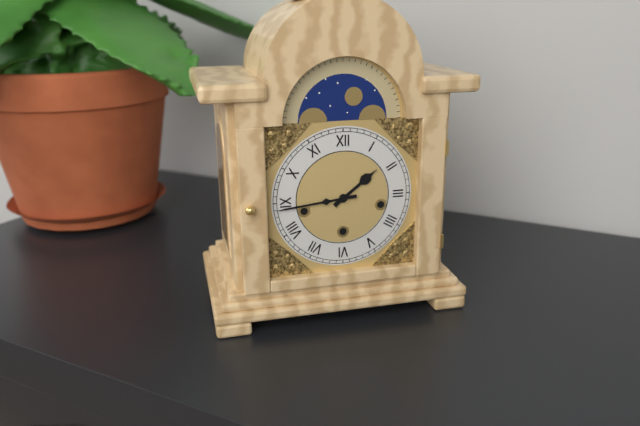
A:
h=1 m=44
